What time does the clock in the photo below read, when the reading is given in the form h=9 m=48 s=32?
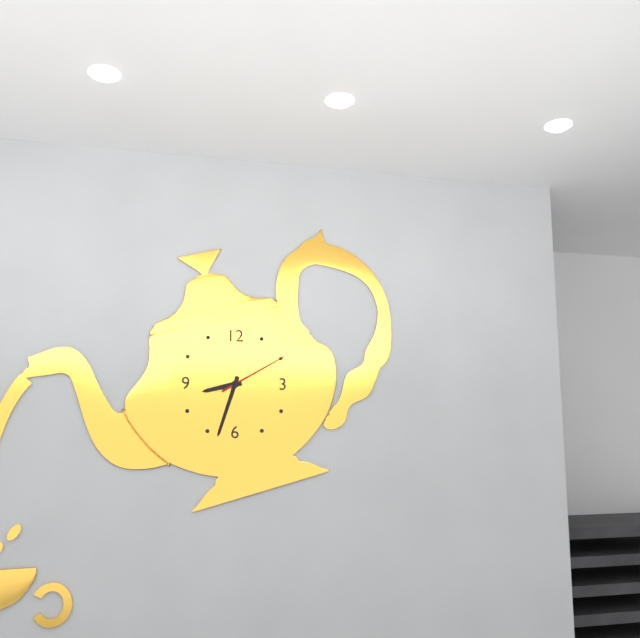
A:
h=8 m=33 s=10
